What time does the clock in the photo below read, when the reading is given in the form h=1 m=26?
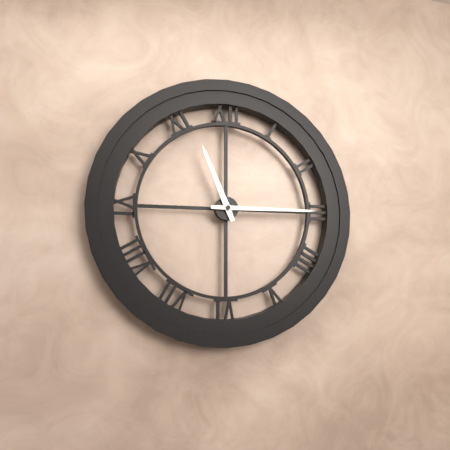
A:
h=11 m=15
